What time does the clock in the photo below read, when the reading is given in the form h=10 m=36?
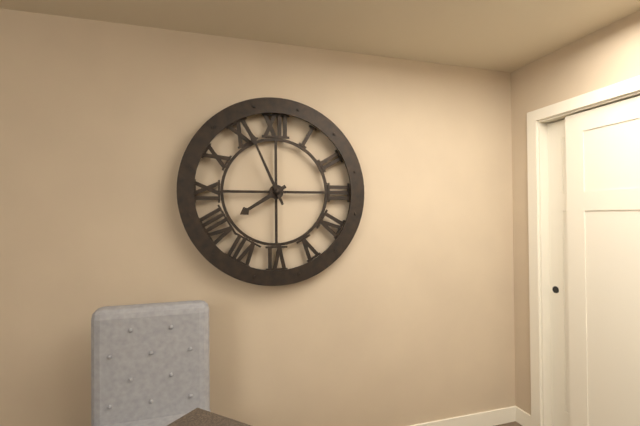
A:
h=7 m=56
